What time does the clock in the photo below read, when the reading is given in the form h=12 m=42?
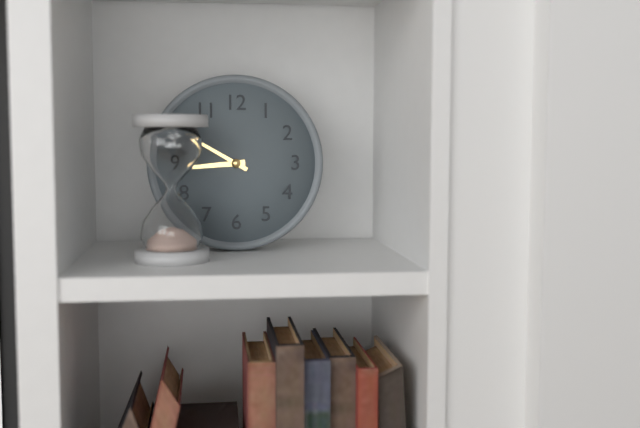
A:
h=8 m=50
